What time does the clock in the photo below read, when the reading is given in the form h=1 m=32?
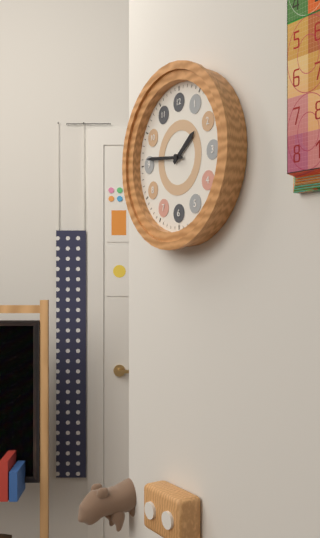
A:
h=1 m=46
